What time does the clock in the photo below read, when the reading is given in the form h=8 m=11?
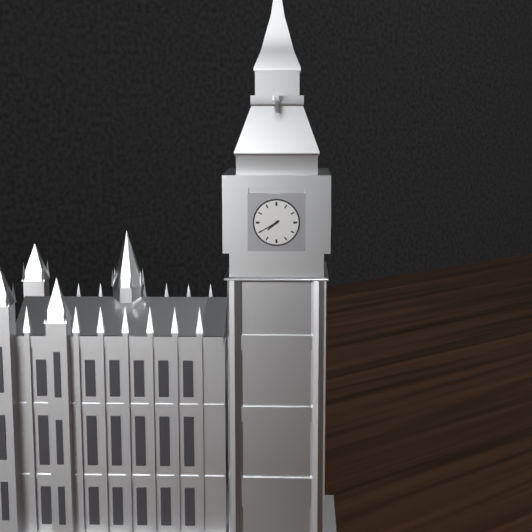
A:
h=7 m=40
